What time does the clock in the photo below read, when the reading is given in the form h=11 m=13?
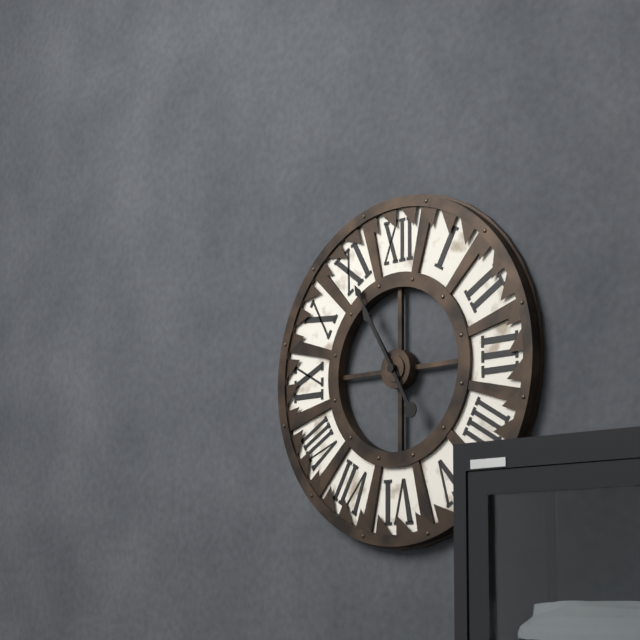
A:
h=10 m=55
